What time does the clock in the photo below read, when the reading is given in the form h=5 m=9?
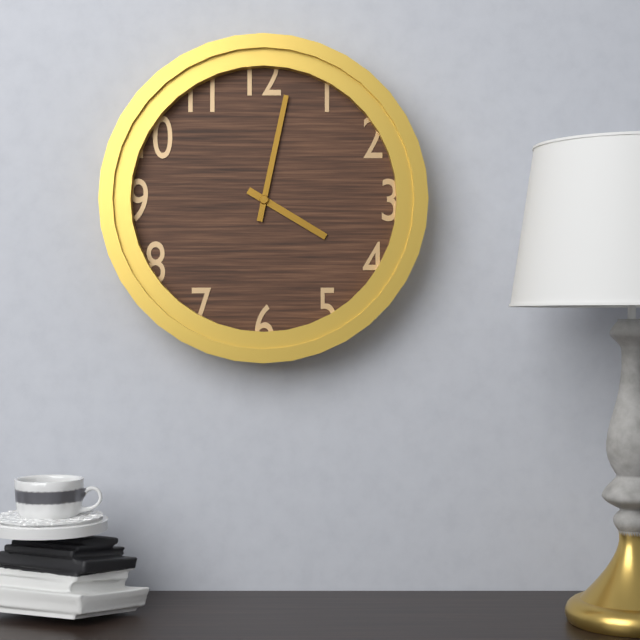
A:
h=4 m=2
